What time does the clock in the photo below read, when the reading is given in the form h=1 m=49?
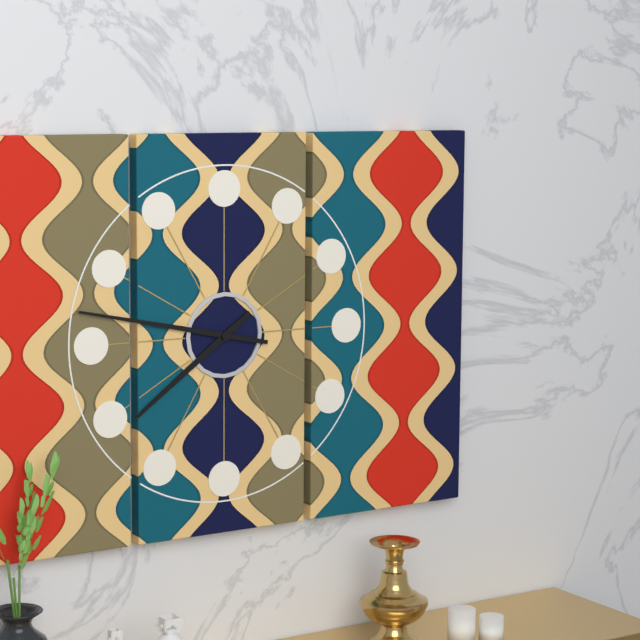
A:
h=7 m=47
